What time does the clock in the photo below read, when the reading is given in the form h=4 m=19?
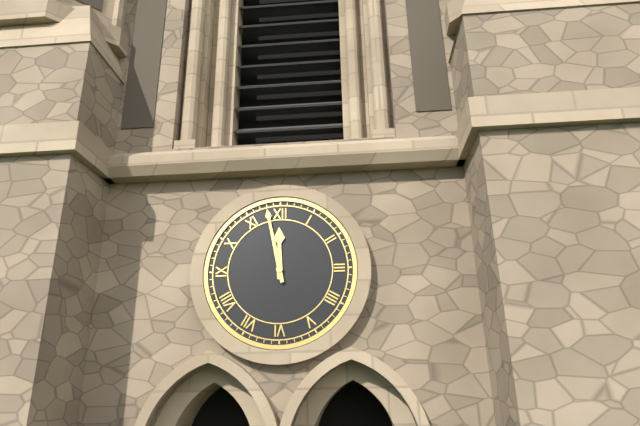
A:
h=11 m=58
